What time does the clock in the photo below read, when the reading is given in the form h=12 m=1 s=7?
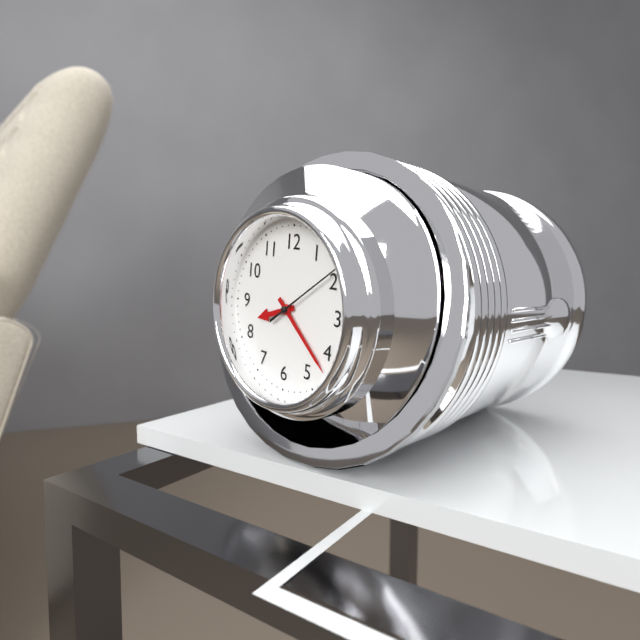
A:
h=8 m=22 s=9
